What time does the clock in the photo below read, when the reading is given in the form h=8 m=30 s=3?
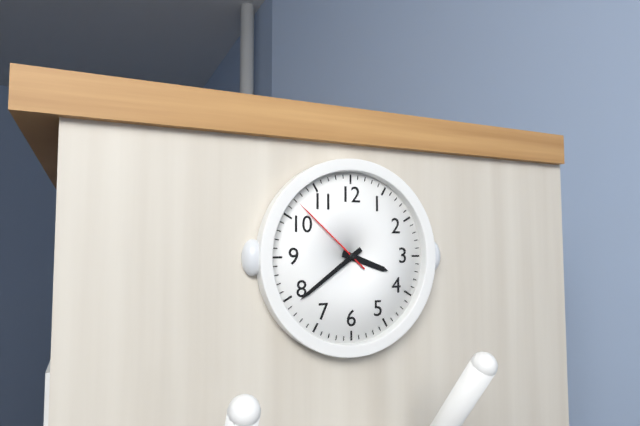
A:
h=3 m=39 s=52
